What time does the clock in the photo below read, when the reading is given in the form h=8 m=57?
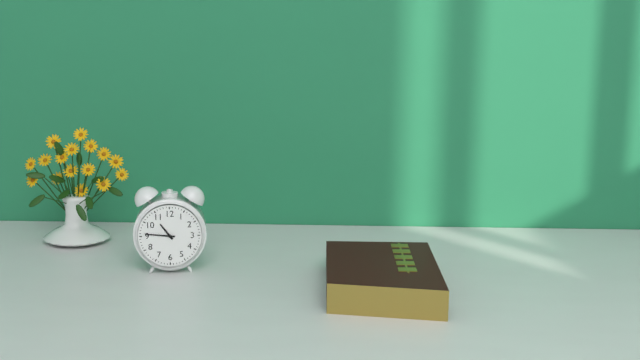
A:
h=10 m=46
